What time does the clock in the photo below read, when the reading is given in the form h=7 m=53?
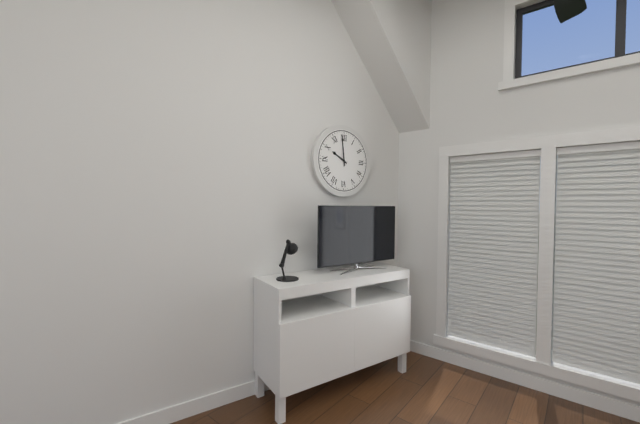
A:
h=9 m=59
